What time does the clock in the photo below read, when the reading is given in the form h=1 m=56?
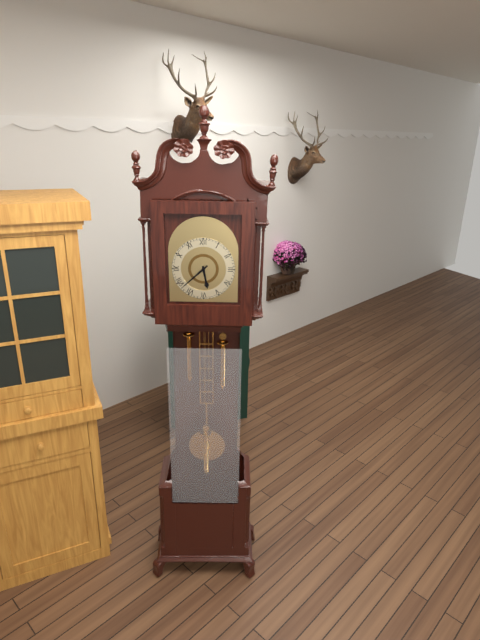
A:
h=5 m=38
